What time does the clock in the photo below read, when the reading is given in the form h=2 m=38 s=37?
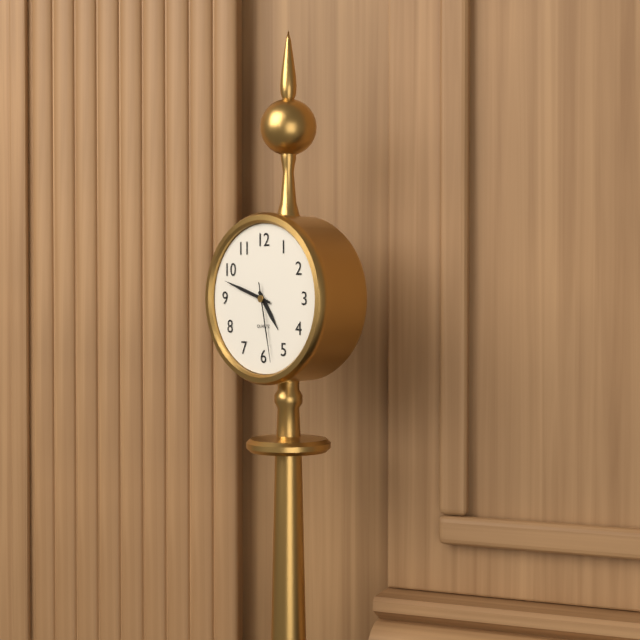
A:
h=4 m=48 s=28
